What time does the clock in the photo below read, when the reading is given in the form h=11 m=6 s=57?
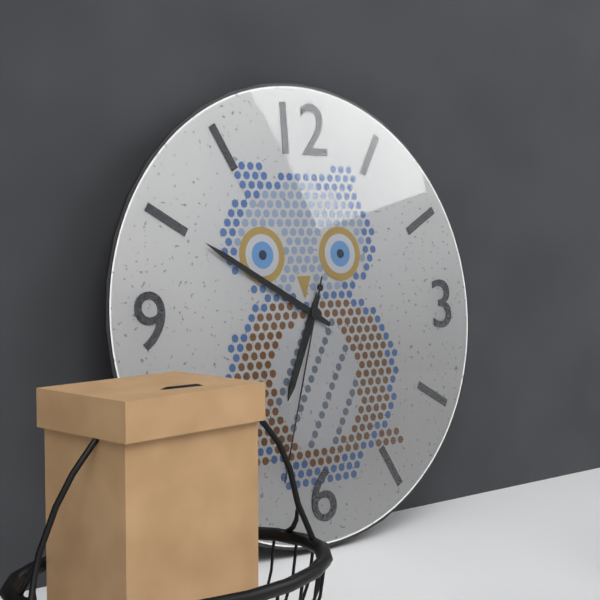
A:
h=6 m=50 s=33
